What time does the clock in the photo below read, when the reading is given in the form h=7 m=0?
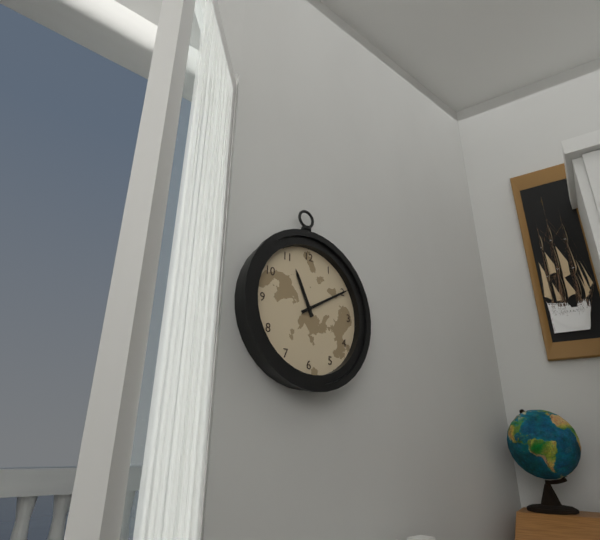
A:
h=11 m=10
